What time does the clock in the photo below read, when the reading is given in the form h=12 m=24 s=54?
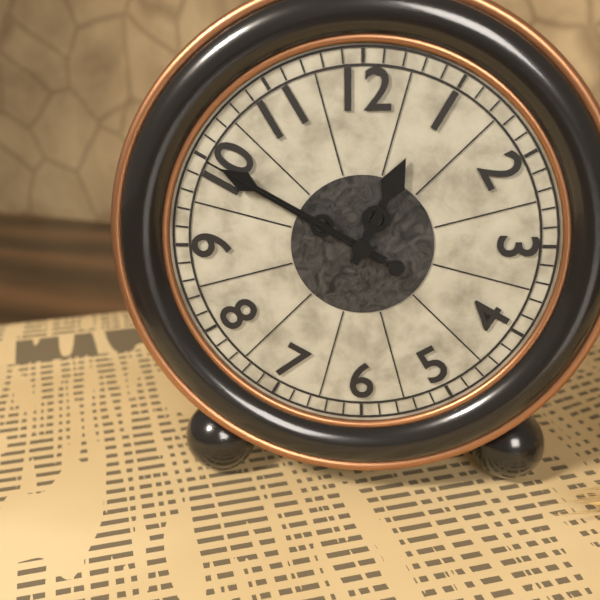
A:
h=12 m=50 s=50
